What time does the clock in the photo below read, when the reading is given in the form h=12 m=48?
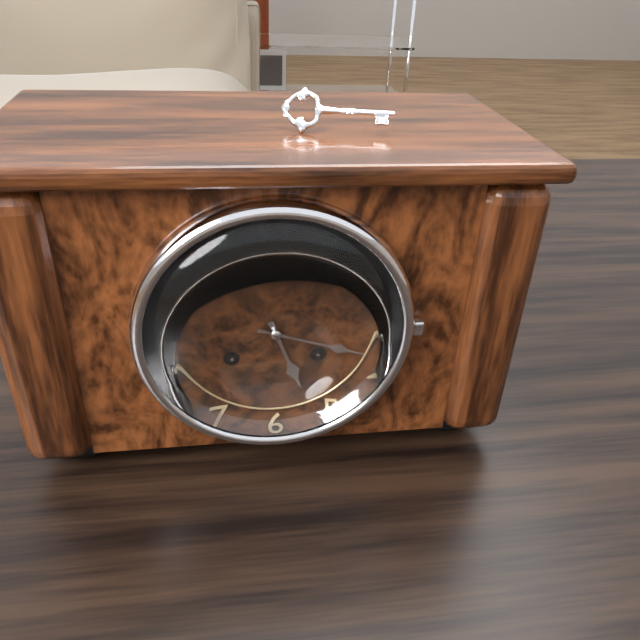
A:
h=5 m=18
